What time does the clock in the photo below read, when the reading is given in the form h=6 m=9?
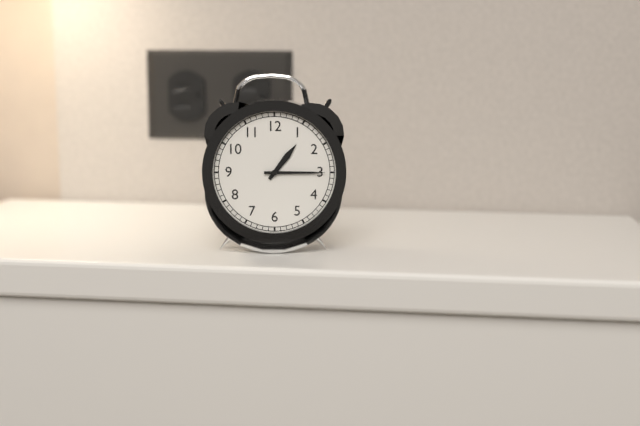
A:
h=1 m=15
